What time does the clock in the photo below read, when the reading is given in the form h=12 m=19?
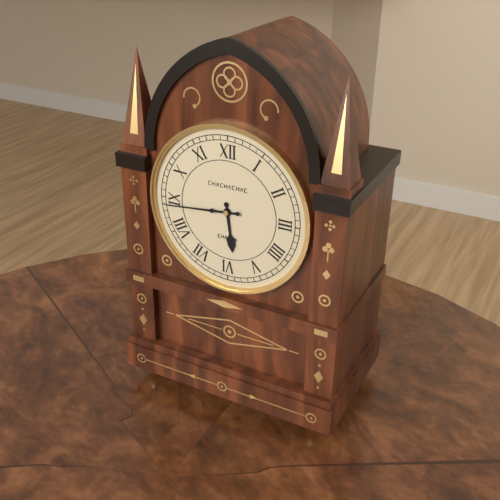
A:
h=5 m=44
